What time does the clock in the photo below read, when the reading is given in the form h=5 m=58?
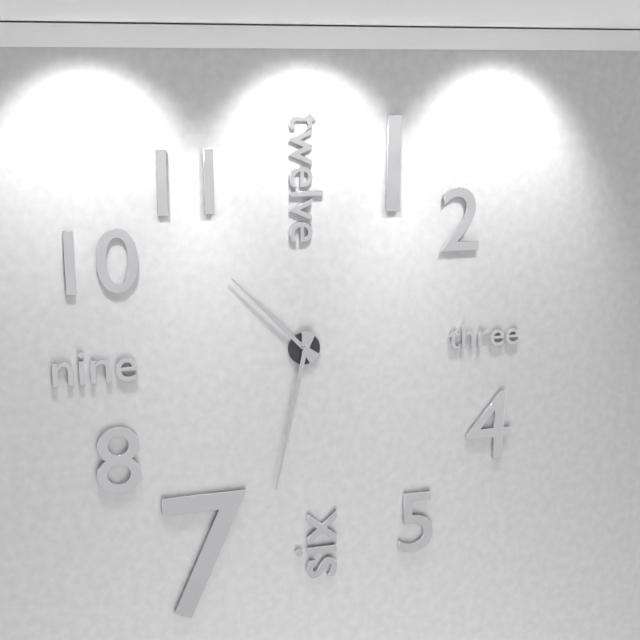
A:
h=10 m=32
